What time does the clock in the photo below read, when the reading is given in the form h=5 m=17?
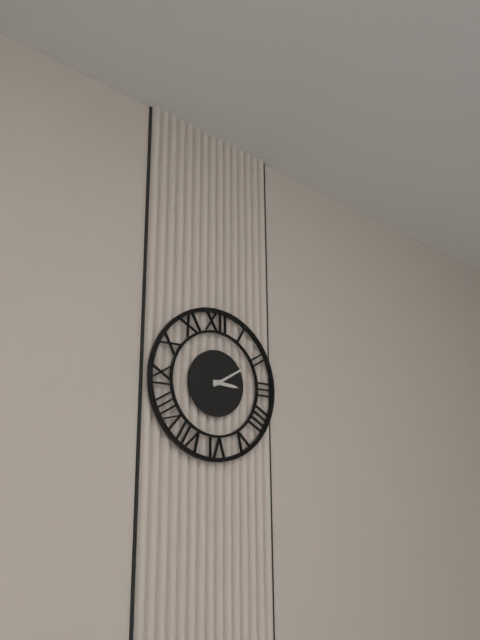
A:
h=3 m=10
